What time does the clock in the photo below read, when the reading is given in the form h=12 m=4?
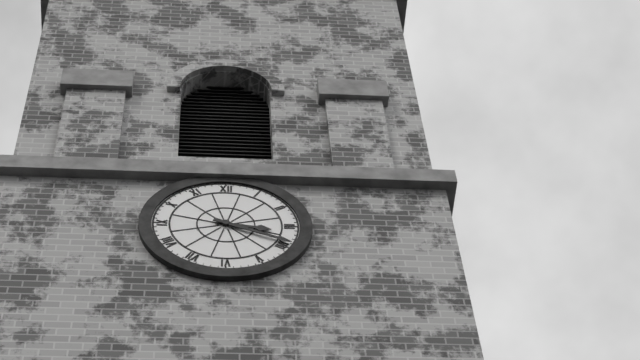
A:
h=3 m=19
